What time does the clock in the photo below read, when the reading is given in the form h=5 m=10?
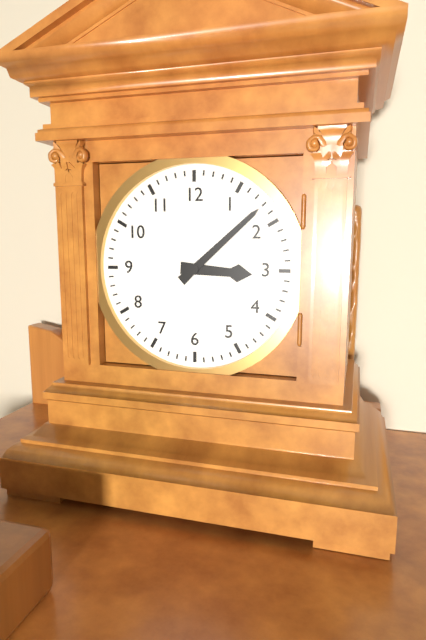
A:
h=3 m=8
